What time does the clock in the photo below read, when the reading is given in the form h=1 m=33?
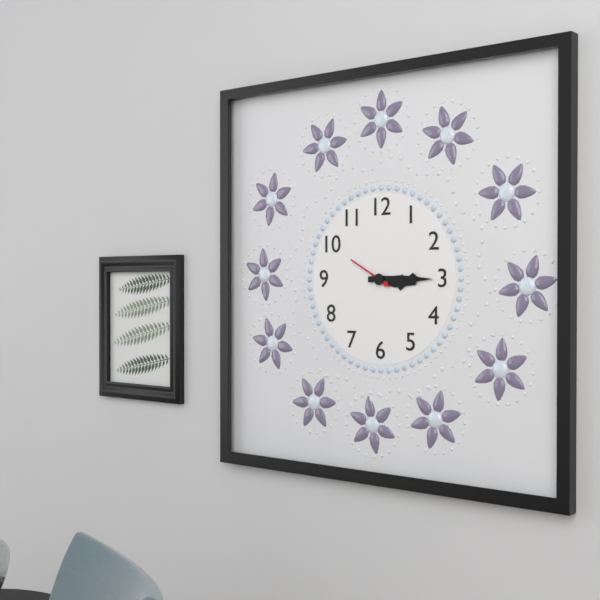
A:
h=3 m=15
